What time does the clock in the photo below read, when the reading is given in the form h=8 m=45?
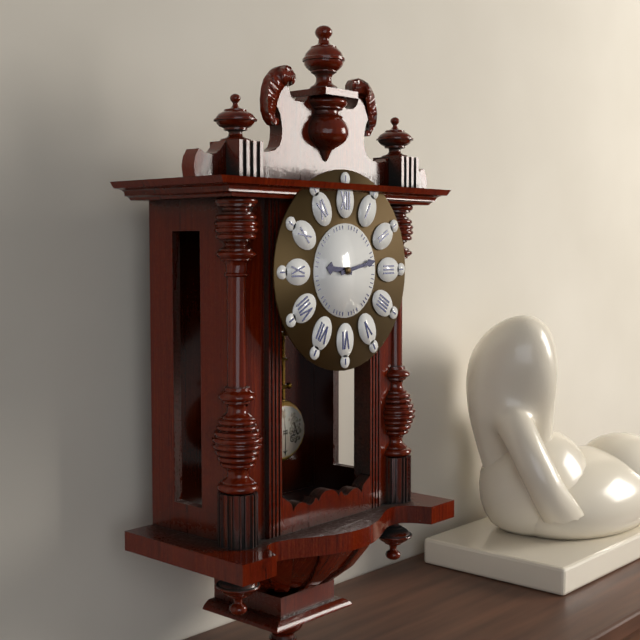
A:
h=9 m=13
